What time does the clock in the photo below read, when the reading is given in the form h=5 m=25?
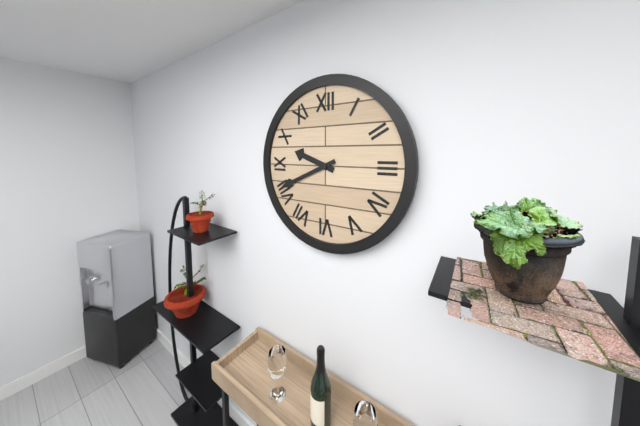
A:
h=9 m=41
